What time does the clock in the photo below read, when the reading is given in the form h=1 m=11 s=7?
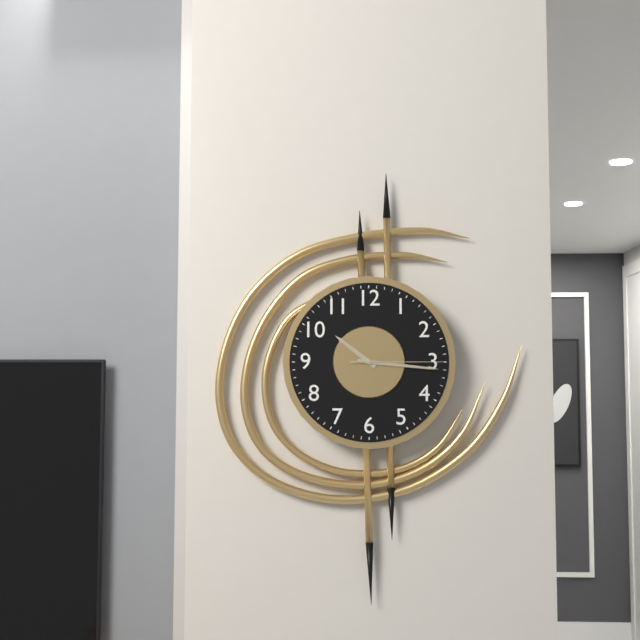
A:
h=10 m=16 s=15
